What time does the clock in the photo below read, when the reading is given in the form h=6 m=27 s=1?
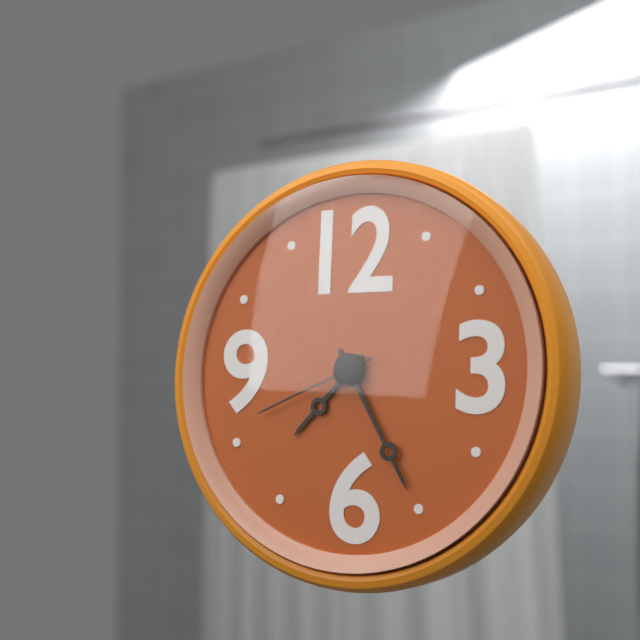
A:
h=7 m=25 s=41
